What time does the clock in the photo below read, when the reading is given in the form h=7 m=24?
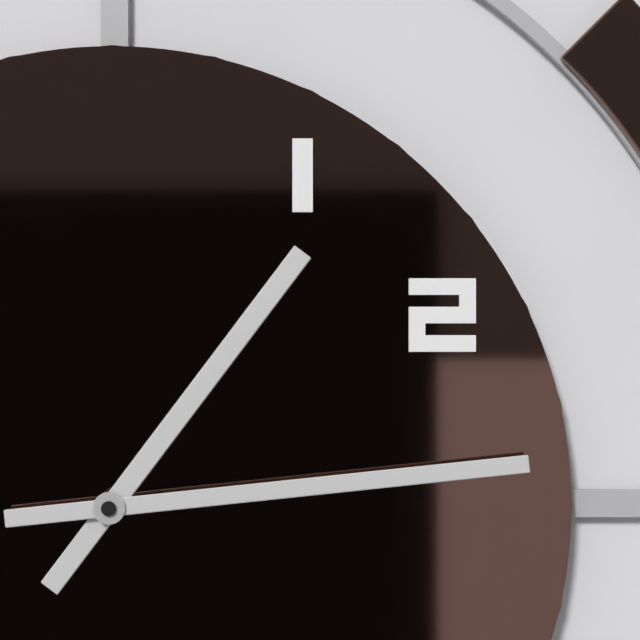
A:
h=1 m=14
